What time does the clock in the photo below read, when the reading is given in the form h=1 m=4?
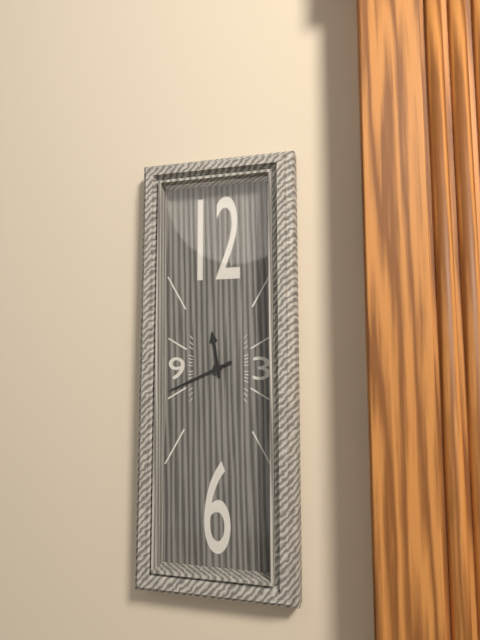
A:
h=11 m=41
